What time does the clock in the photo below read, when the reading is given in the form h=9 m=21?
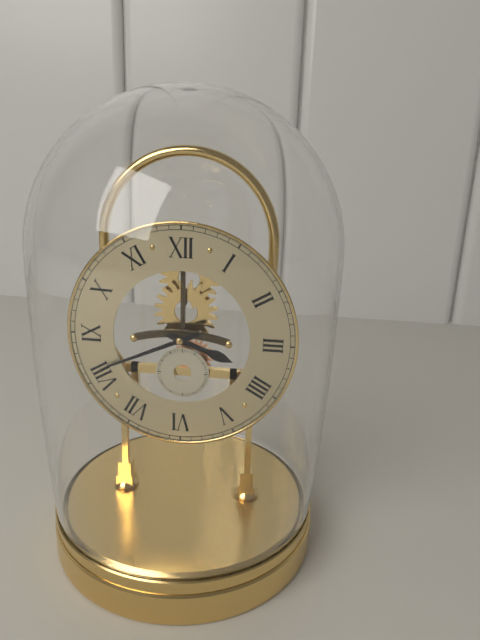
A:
h=3 m=41
